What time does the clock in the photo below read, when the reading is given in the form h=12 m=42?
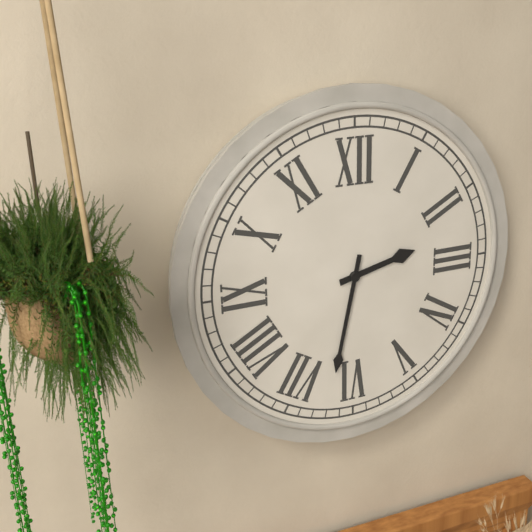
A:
h=2 m=32
